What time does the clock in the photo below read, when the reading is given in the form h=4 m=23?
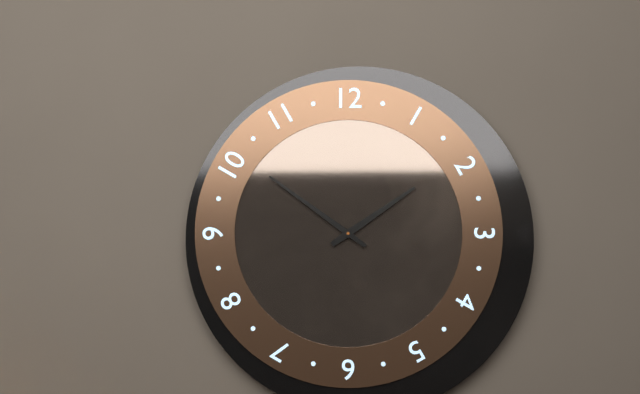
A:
h=1 m=51
